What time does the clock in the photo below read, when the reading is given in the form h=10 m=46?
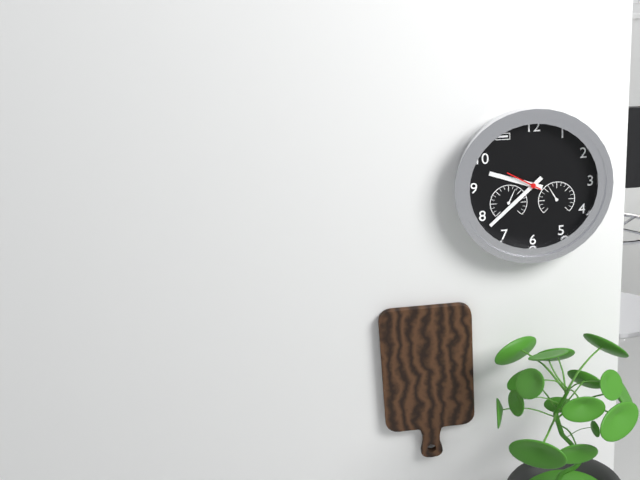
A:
h=9 m=38
